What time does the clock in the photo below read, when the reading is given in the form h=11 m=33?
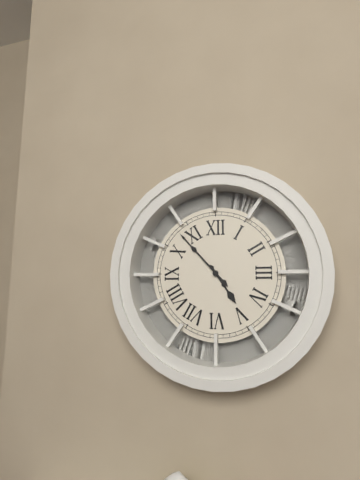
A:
h=4 m=53
